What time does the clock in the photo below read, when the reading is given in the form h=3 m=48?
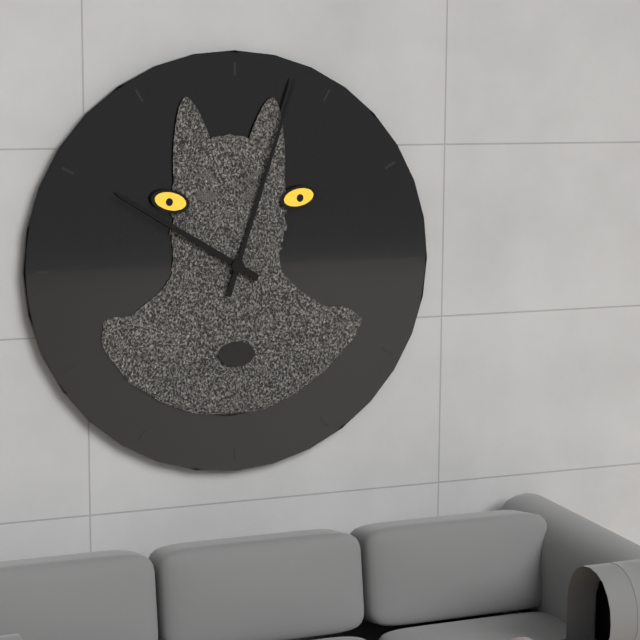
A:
h=10 m=3
